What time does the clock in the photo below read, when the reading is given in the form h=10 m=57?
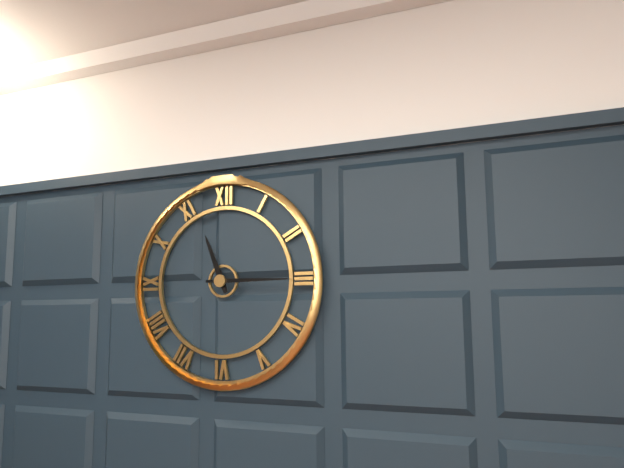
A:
h=11 m=15
